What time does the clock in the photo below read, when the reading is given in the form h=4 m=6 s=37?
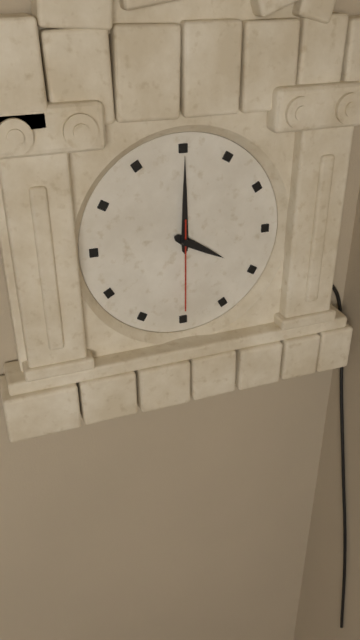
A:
h=4 m=0 s=30
